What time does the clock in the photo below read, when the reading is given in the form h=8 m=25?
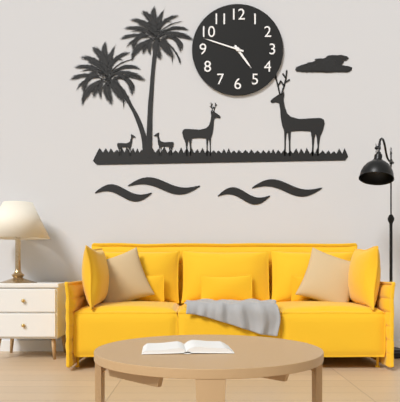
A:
h=4 m=48
